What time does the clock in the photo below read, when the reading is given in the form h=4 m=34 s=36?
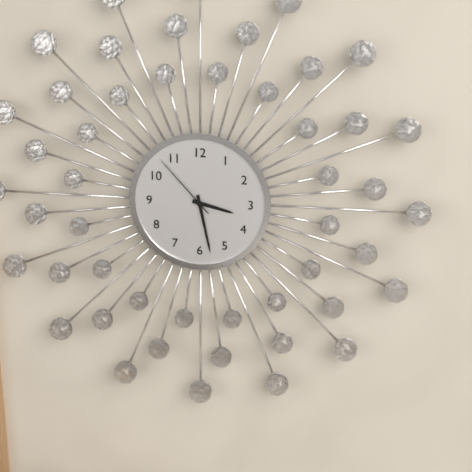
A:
h=3 m=28 s=53
